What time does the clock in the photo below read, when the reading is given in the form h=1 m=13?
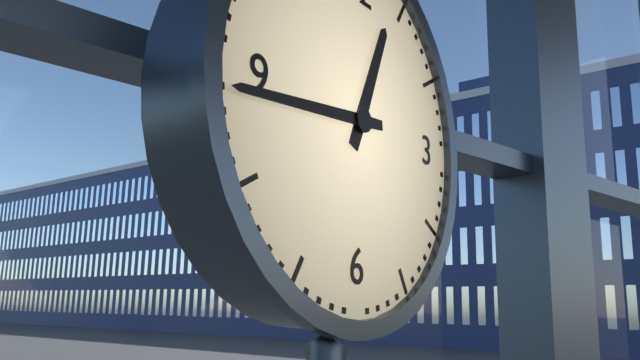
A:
h=12 m=44
